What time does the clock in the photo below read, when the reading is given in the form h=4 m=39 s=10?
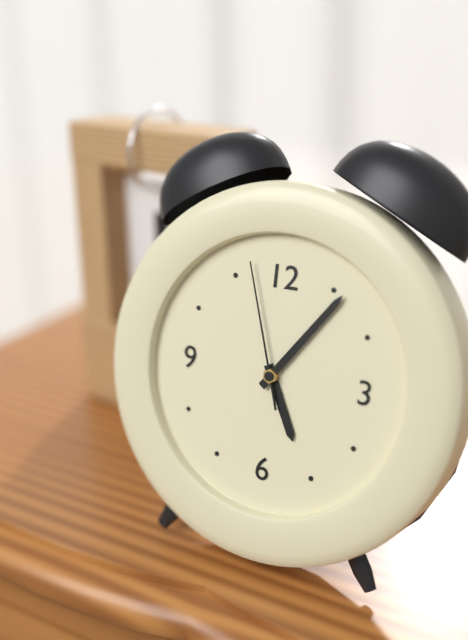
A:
h=5 m=6 s=57
